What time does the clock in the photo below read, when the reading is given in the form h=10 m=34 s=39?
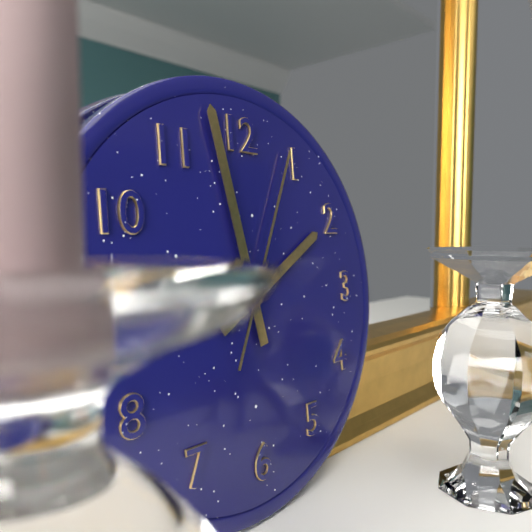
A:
h=1 m=58 s=4
